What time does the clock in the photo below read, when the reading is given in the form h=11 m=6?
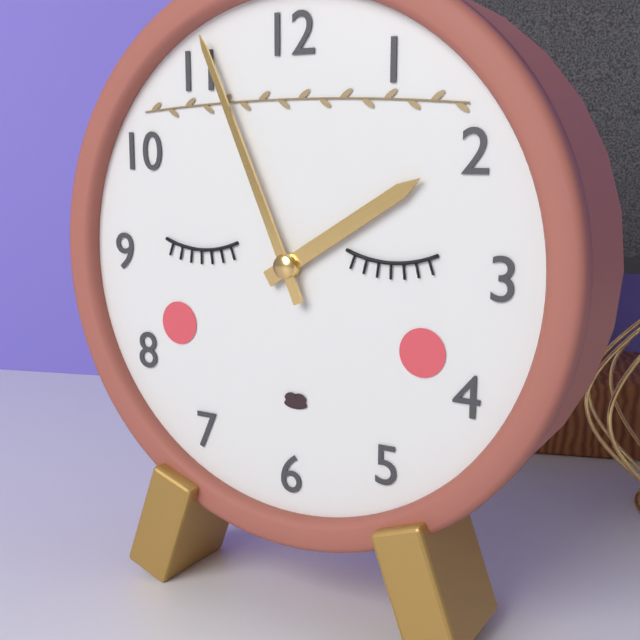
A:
h=1 m=56
